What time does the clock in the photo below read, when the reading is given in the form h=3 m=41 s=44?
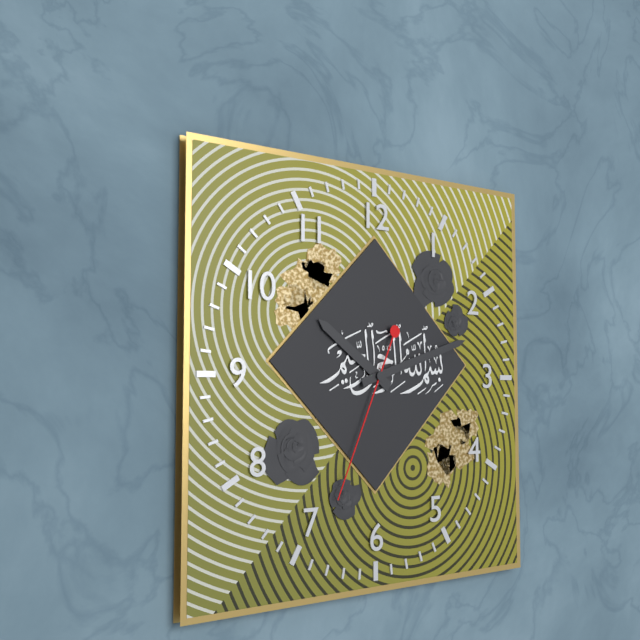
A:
h=10 m=12 s=34
